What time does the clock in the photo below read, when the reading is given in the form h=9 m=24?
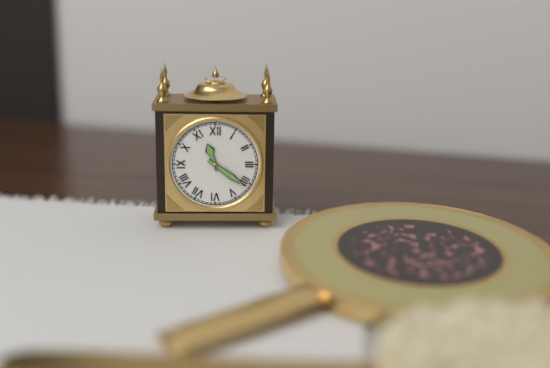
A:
h=11 m=21
